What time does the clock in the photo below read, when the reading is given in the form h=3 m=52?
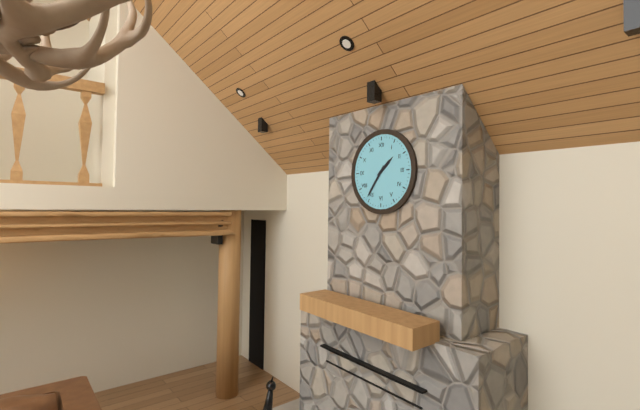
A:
h=1 m=36
